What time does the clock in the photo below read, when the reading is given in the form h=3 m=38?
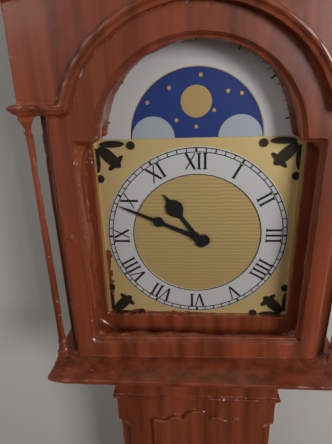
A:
h=10 m=49
